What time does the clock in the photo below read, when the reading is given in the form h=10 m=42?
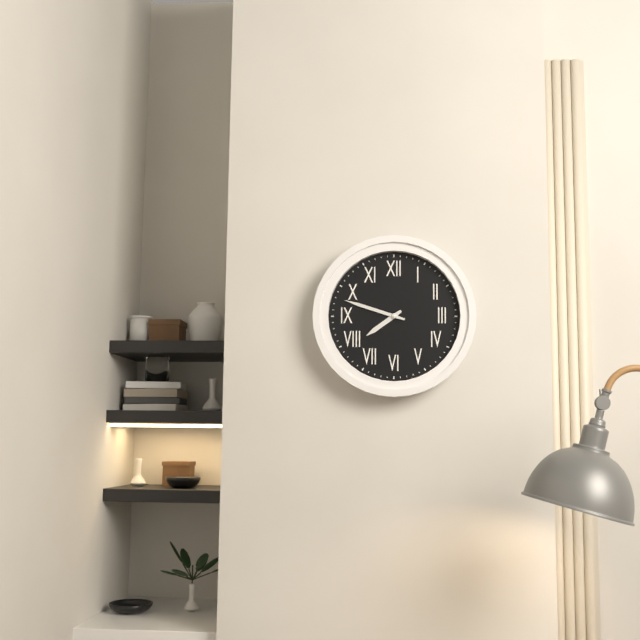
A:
h=7 m=48
